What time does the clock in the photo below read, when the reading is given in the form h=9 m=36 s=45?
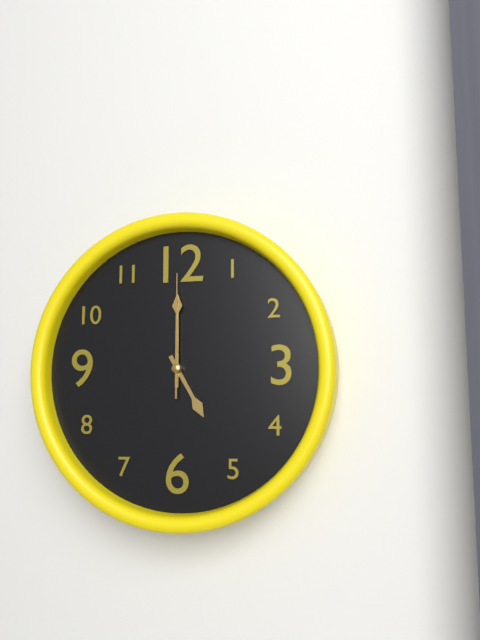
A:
h=5 m=0 s=0
